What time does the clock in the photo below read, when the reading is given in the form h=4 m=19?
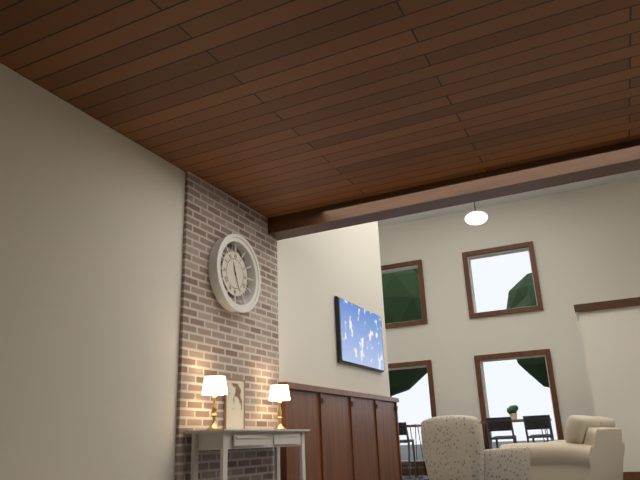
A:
h=11 m=26
